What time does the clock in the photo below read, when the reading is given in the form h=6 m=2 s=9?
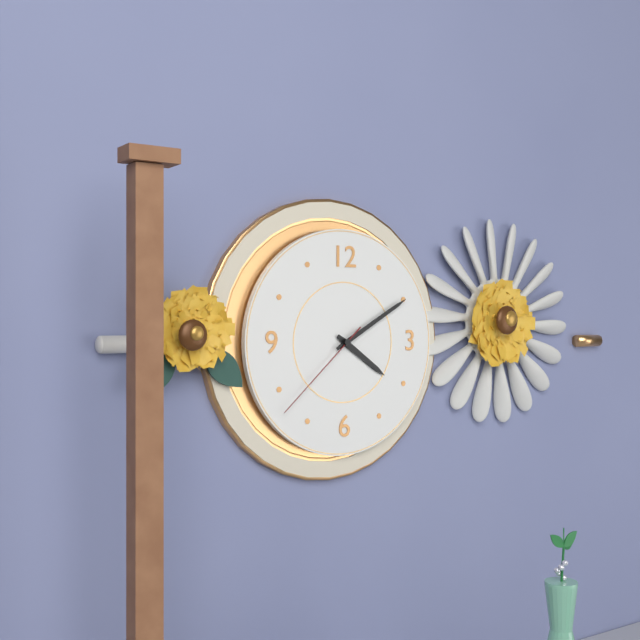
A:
h=4 m=10 s=38
